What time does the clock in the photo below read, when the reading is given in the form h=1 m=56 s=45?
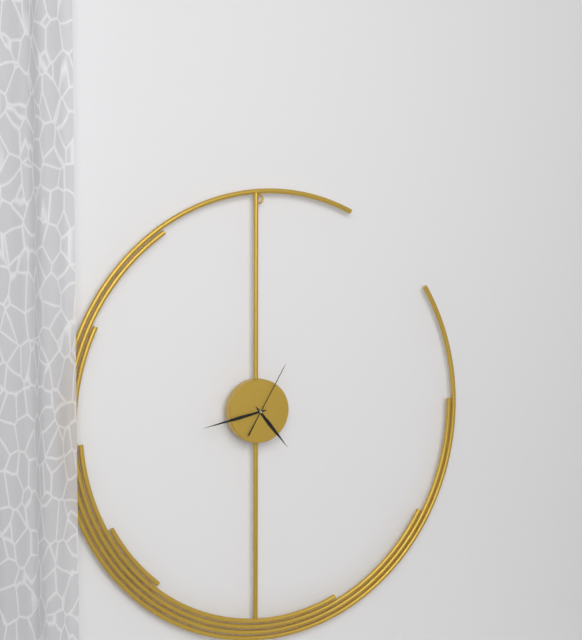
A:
h=4 m=43 s=5
